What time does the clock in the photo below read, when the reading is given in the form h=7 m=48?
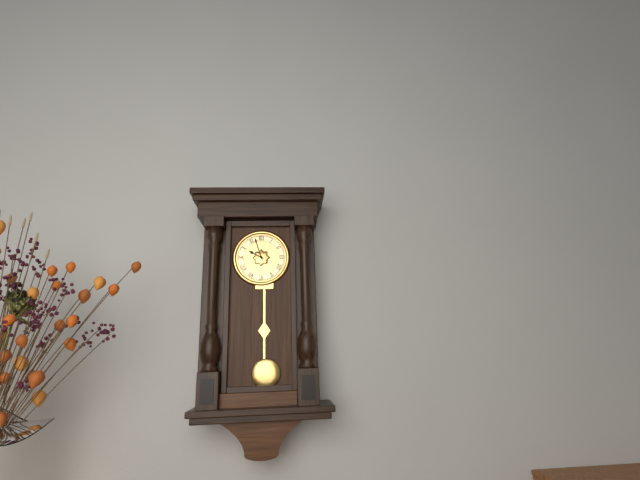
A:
h=9 m=57
